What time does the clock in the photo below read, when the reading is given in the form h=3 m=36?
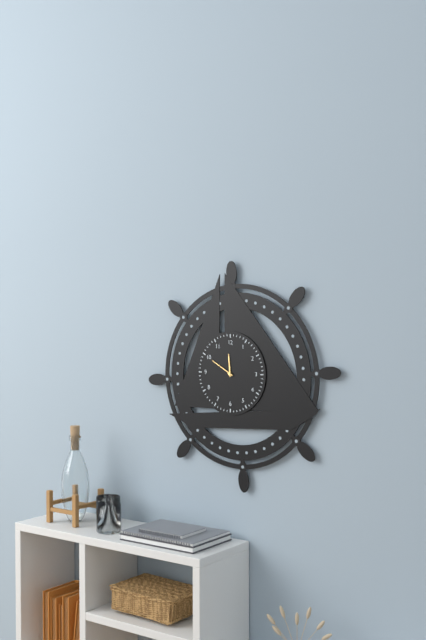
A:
h=11 m=50
